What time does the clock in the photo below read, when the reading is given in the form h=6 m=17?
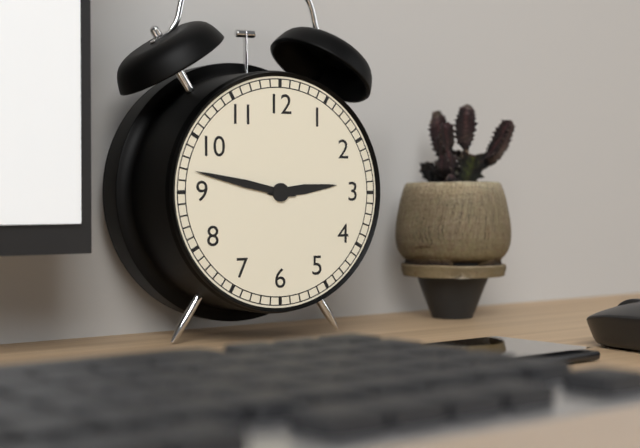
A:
h=2 m=47
